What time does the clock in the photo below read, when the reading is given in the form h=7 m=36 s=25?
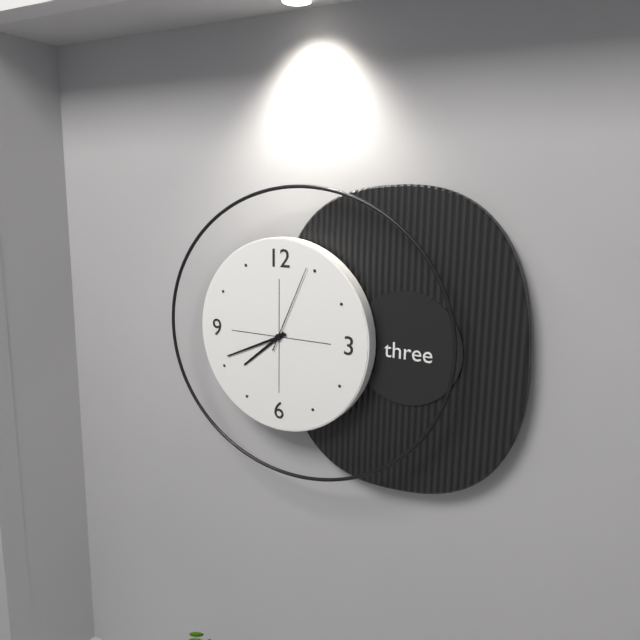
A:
h=7 m=41 s=4
